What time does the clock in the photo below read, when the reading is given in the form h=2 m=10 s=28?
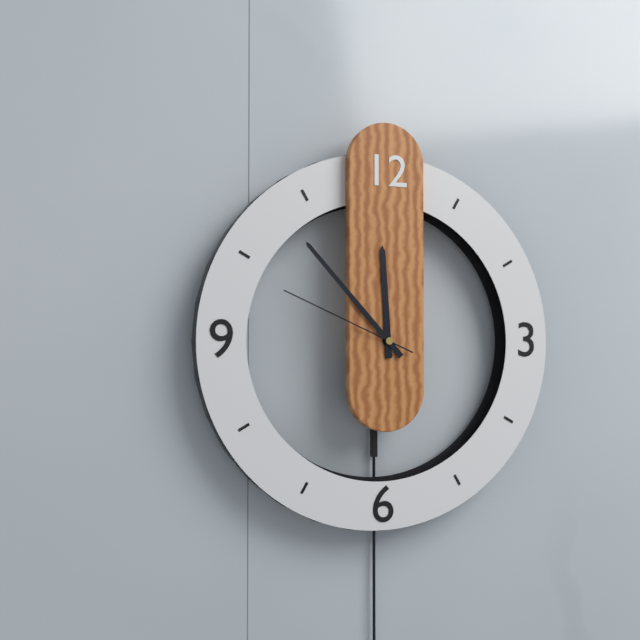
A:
h=11 m=53 s=49
